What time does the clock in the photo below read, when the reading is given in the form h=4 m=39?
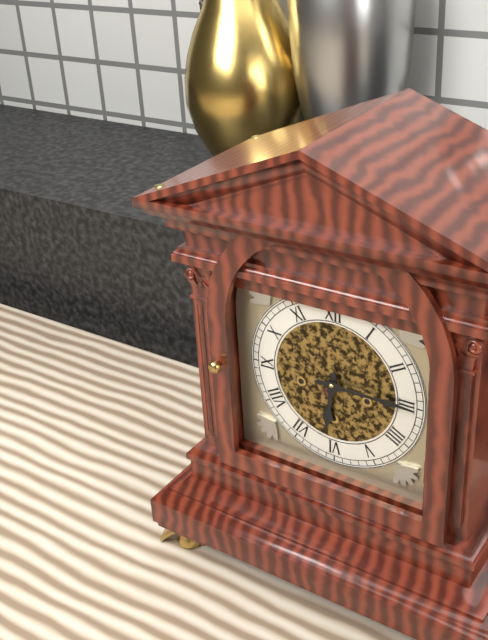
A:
h=6 m=15
